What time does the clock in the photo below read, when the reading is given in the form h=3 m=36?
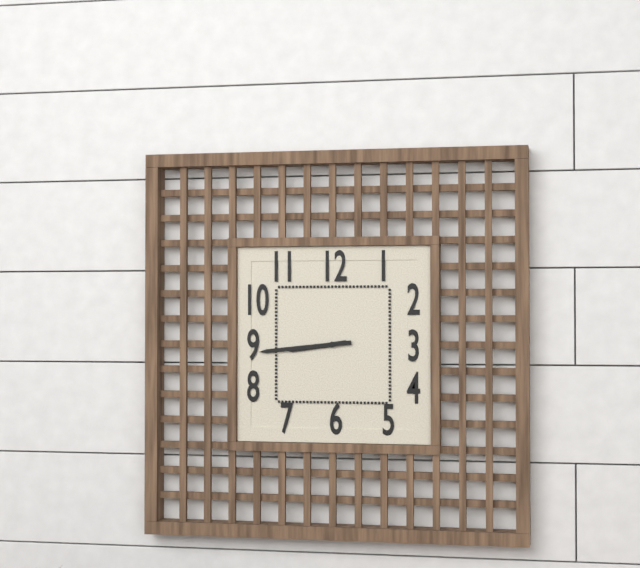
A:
h=8 m=44
